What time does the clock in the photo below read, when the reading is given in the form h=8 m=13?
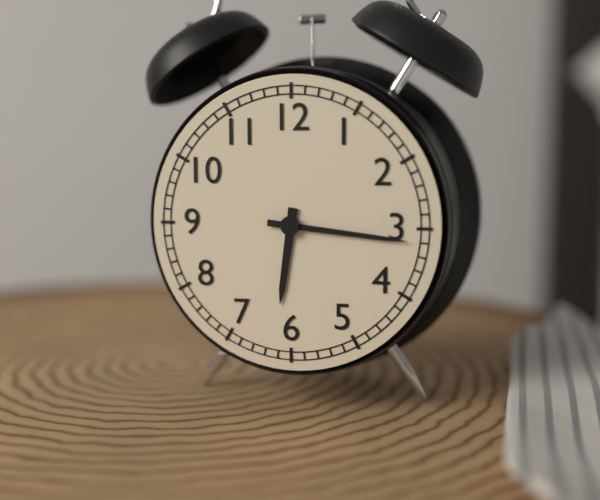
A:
h=6 m=16
